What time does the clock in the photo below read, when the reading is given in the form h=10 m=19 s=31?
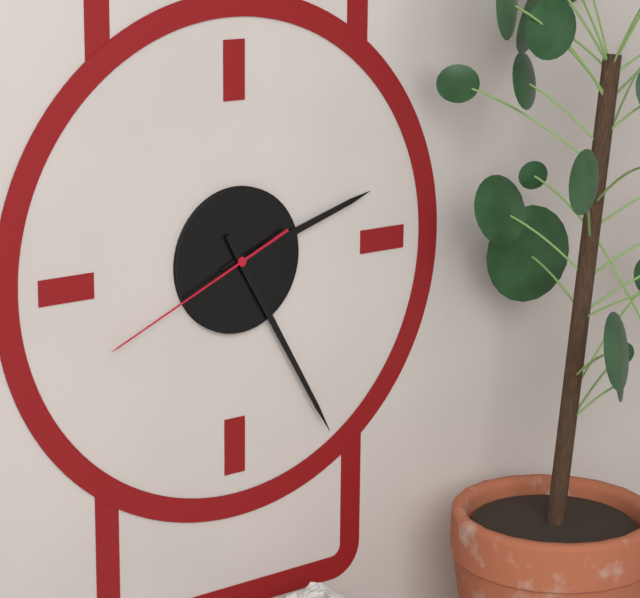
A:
h=2 m=25 s=41
